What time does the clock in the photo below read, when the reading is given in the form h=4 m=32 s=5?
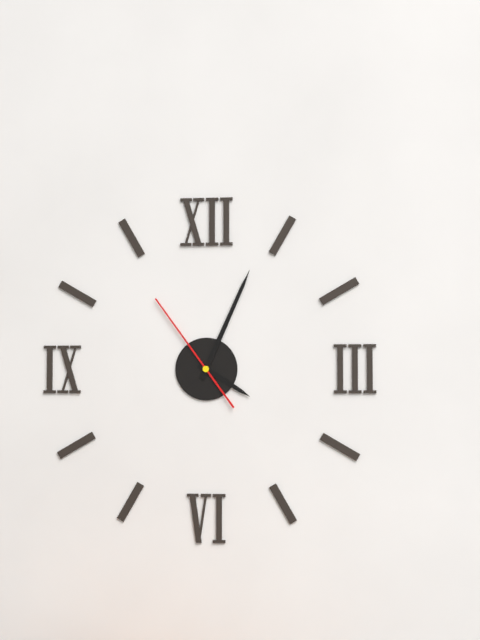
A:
h=4 m=4 s=54
